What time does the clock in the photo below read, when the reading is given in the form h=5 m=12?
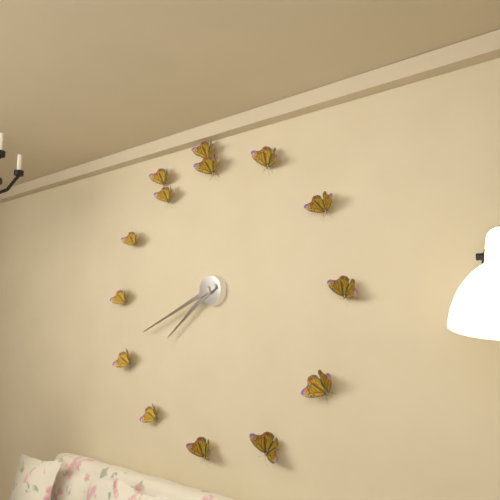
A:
h=7 m=41
